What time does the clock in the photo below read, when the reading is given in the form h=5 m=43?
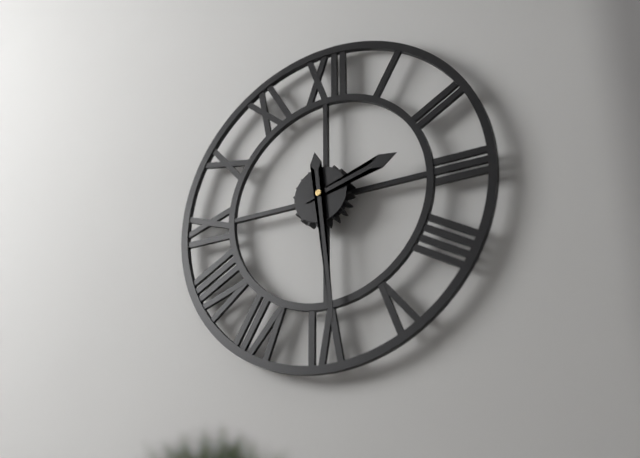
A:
h=2 m=29
